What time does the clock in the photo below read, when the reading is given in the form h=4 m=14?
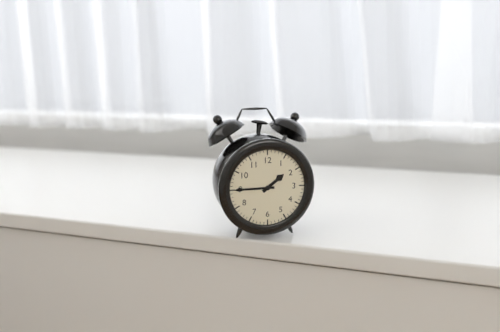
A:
h=1 m=45
